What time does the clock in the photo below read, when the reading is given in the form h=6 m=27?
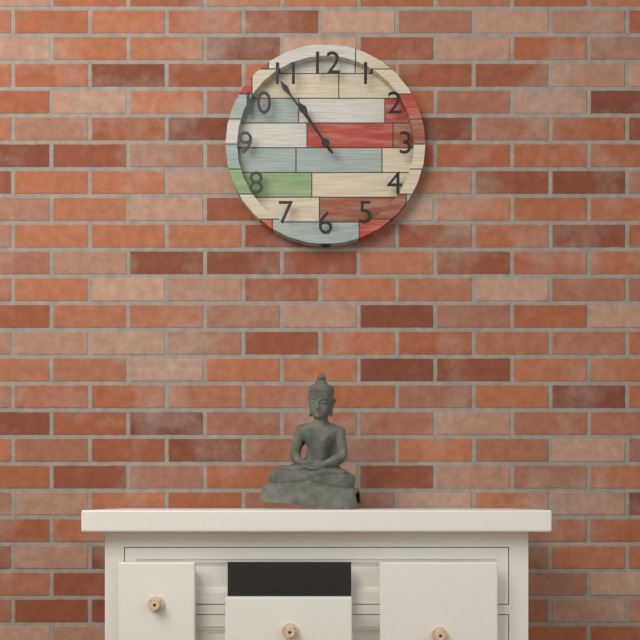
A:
h=10 m=54
